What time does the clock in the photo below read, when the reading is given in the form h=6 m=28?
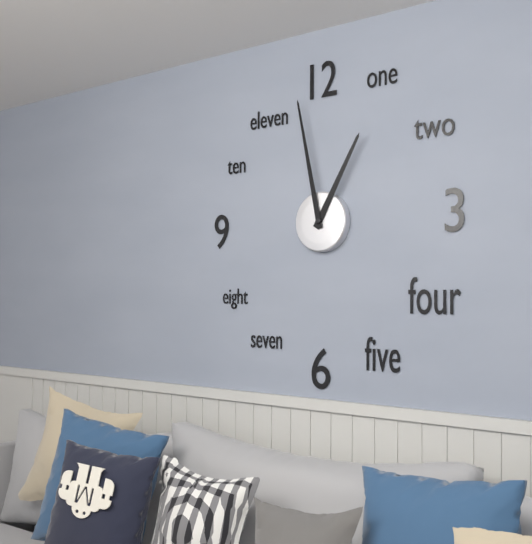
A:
h=12 m=58
